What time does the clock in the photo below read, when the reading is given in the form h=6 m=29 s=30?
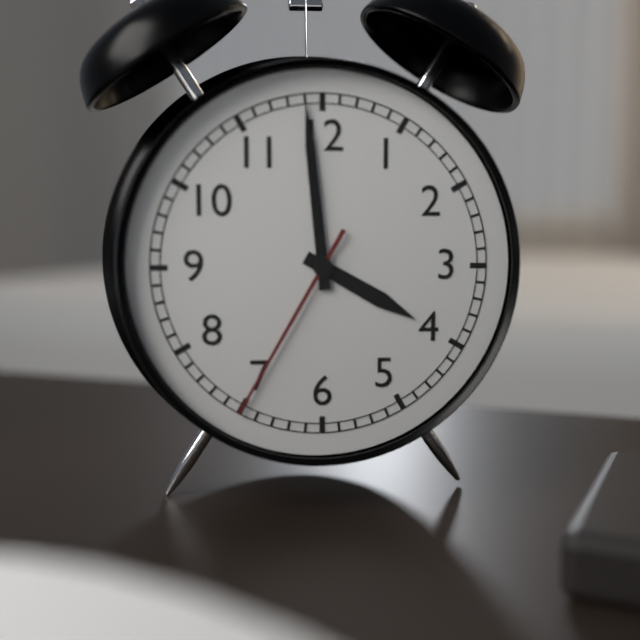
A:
h=3 m=59 s=35
